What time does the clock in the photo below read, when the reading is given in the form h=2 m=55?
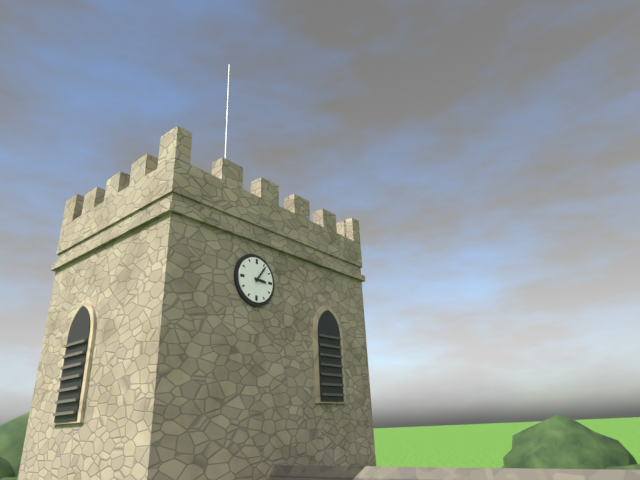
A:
h=3 m=6
